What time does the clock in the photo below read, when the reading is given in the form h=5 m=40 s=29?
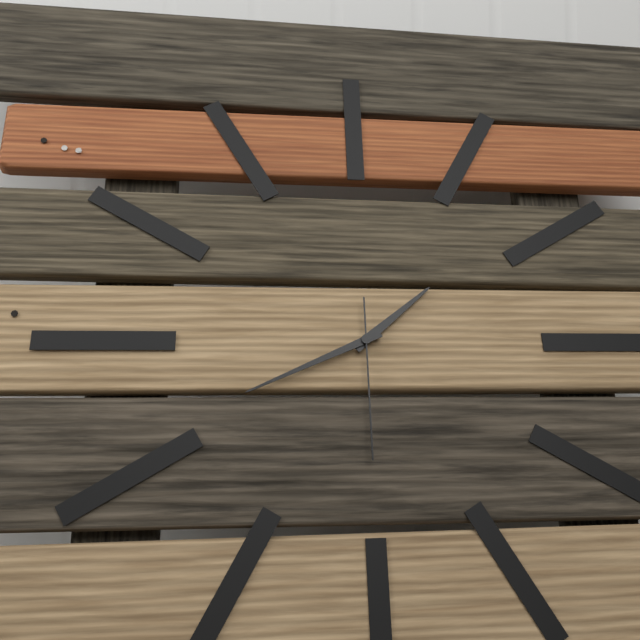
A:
h=1 m=41 s=30
